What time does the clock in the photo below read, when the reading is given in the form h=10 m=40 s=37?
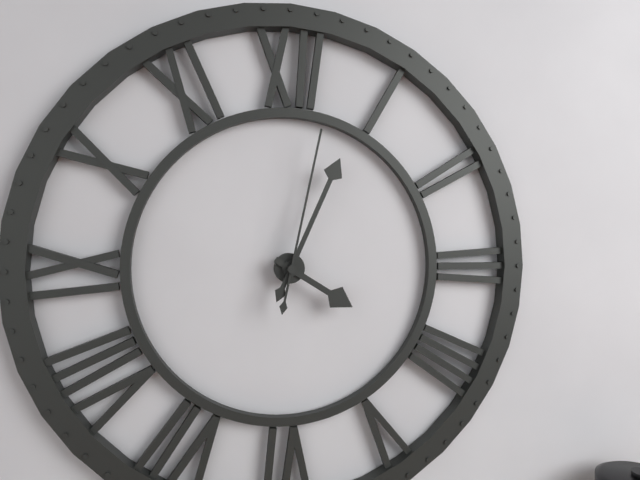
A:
h=4 m=4 s=2
